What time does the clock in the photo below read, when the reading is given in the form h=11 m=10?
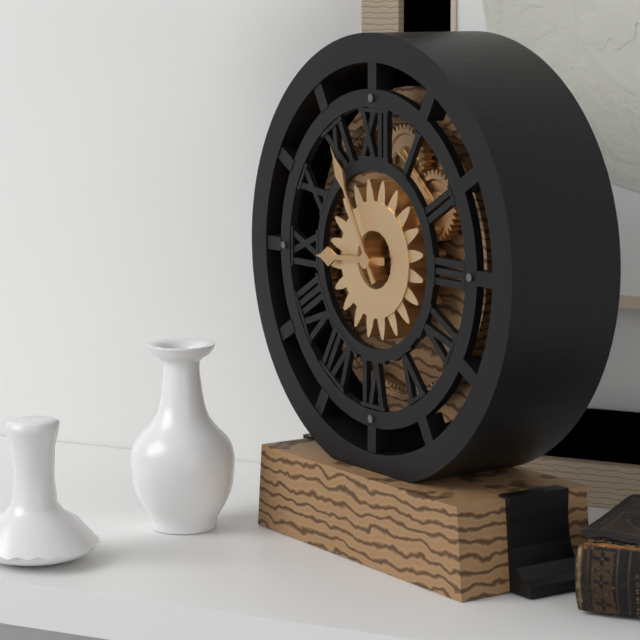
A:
h=8 m=55
